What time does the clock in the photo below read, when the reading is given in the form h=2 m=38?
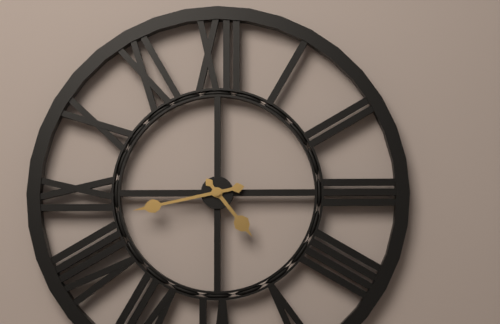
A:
h=4 m=43
